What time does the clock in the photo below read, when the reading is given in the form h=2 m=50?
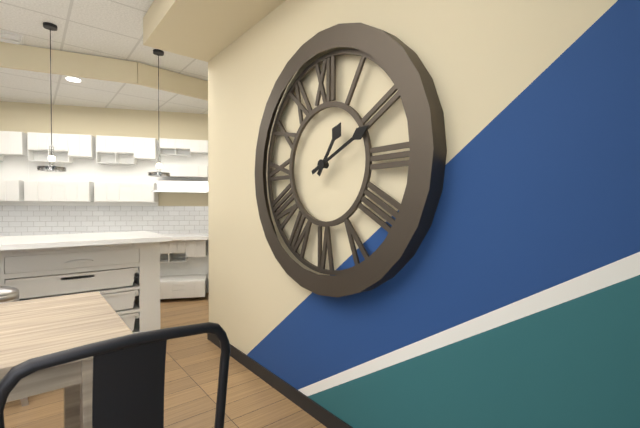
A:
h=1 m=11
